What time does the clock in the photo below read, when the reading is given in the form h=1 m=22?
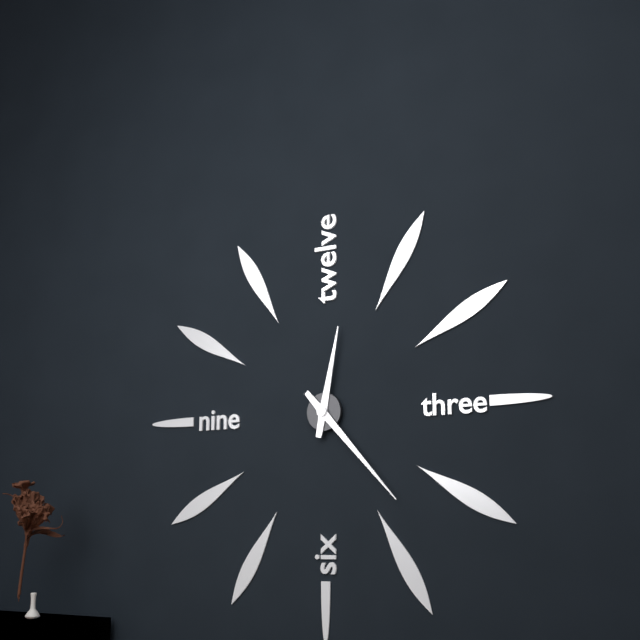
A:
h=12 m=23
